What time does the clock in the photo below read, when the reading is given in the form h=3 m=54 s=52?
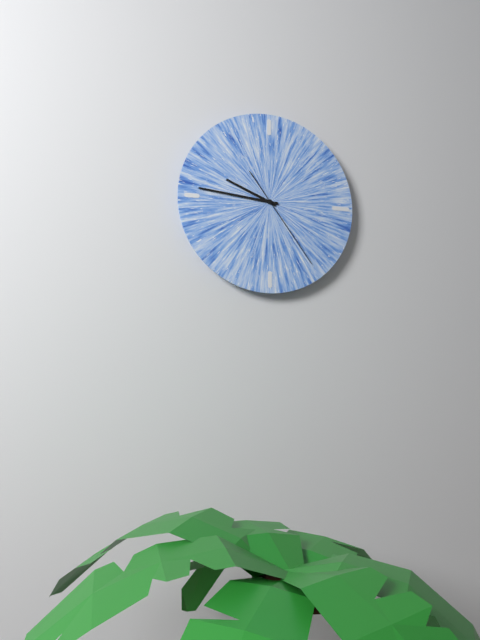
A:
h=9 m=46 s=24
